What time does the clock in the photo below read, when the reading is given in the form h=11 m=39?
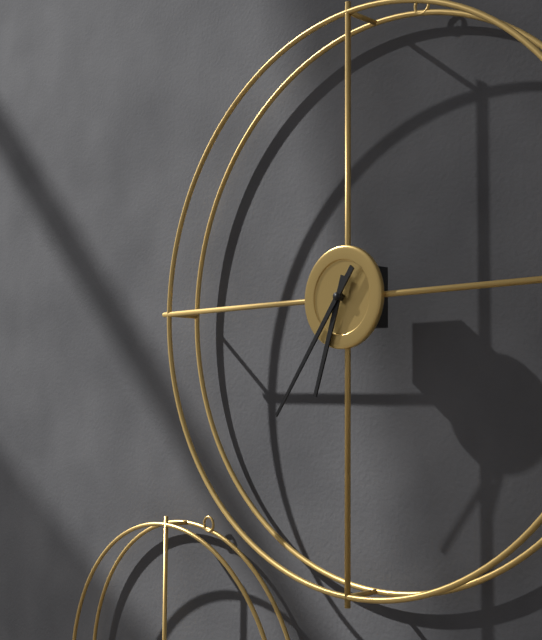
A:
h=6 m=36
